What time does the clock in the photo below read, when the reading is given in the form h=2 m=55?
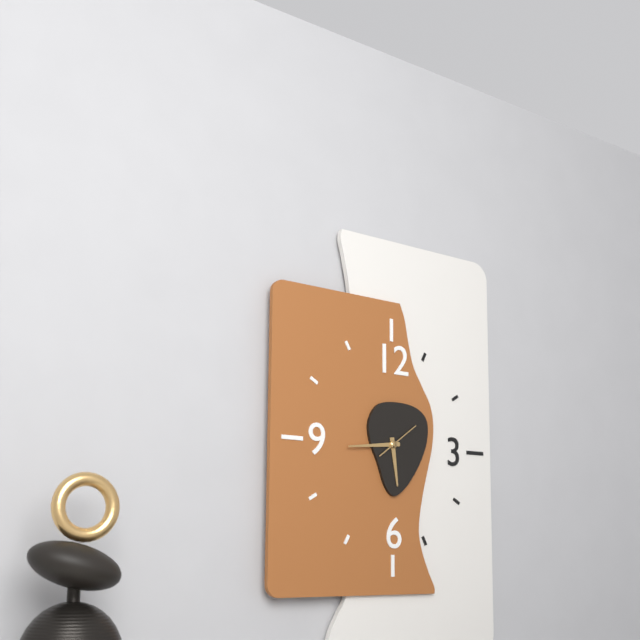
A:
h=5 m=44
